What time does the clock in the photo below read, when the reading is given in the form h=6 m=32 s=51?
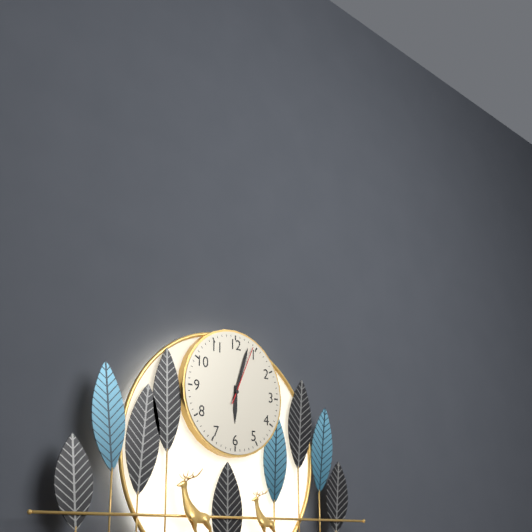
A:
h=6 m=3 s=4
